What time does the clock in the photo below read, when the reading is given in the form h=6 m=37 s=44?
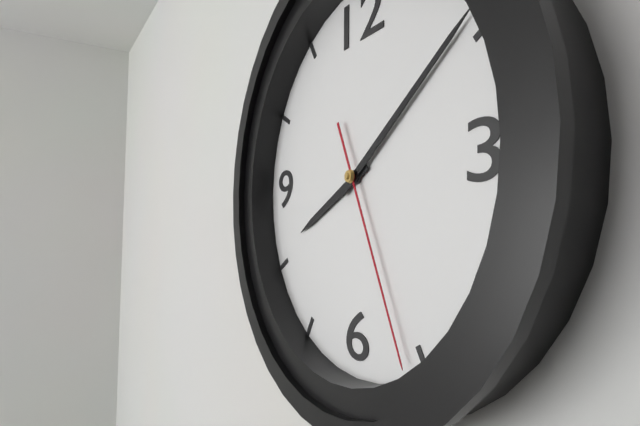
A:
h=8 m=9 s=26
